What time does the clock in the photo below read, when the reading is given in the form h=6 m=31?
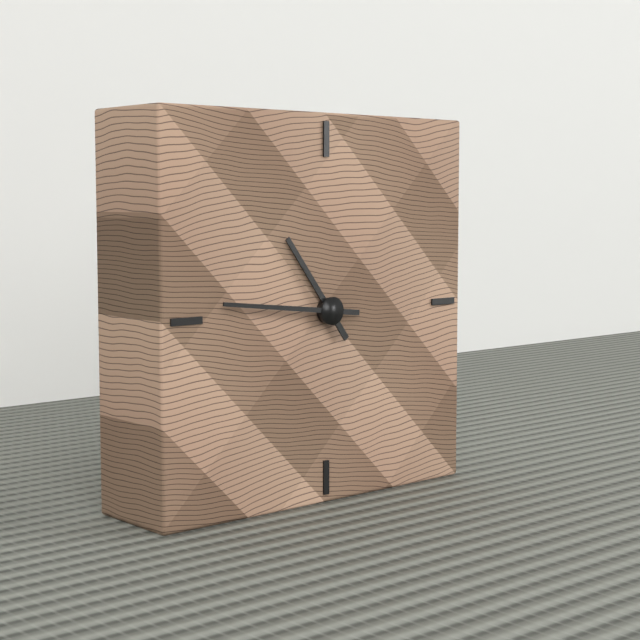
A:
h=10 m=46
